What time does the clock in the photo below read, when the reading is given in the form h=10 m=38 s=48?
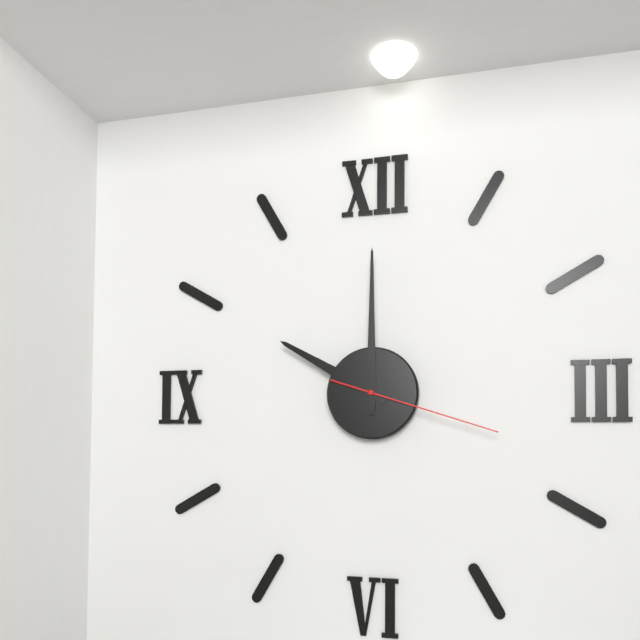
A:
h=10 m=0 s=18
